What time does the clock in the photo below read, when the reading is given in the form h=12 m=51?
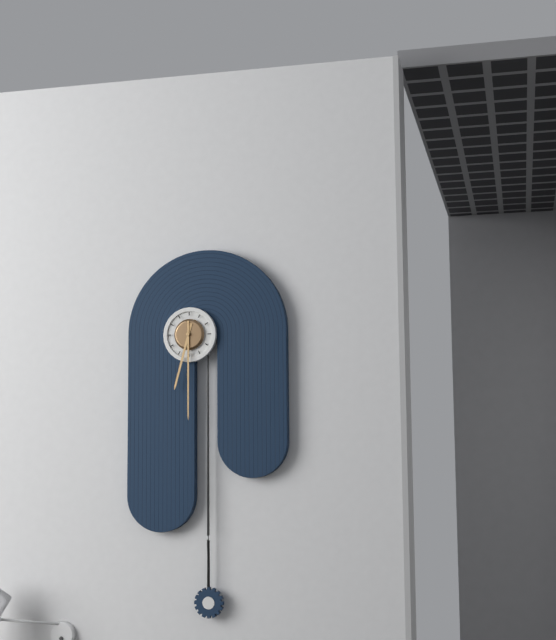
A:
h=6 m=30
